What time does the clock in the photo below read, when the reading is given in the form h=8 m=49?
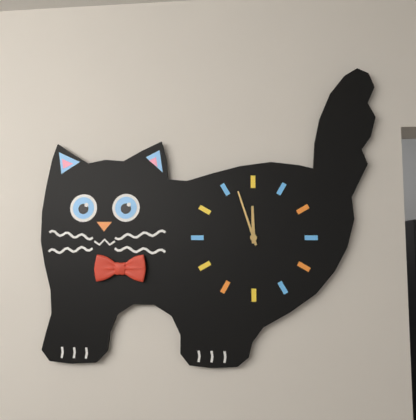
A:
h=11 m=57
